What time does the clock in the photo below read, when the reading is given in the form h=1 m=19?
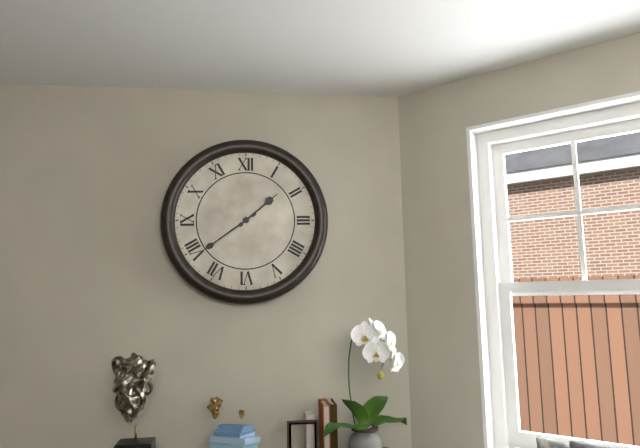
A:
h=1 m=39
